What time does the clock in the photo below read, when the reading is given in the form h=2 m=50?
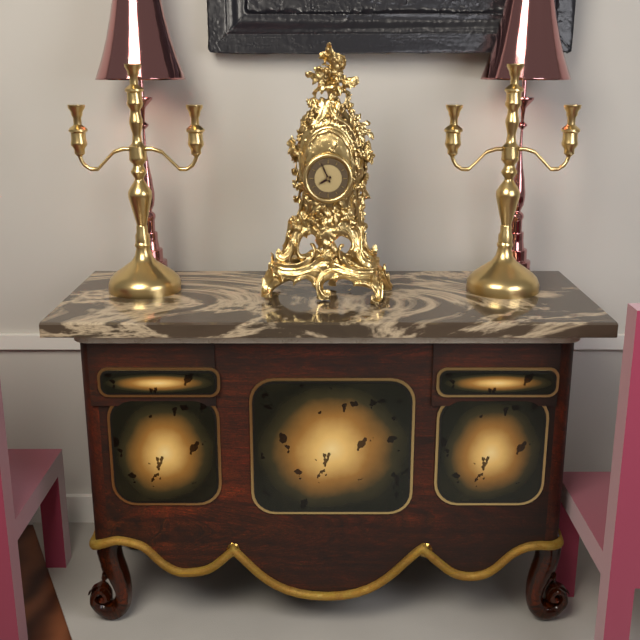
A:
h=7 m=56
